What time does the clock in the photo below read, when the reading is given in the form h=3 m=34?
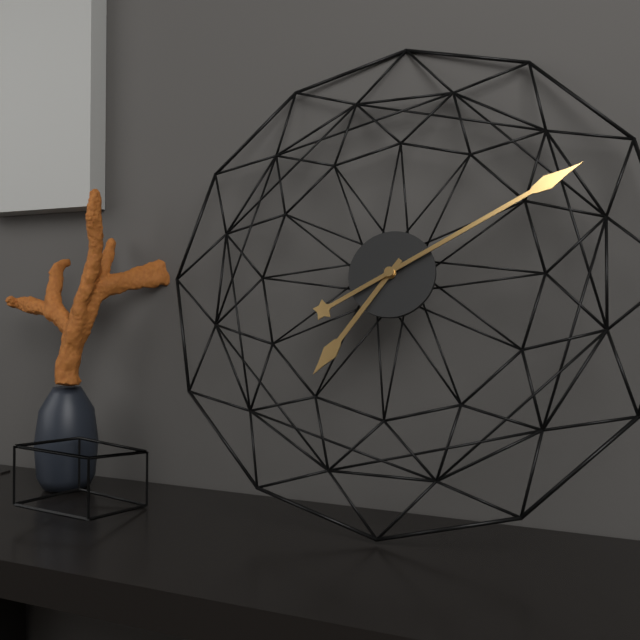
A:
h=7 m=10
